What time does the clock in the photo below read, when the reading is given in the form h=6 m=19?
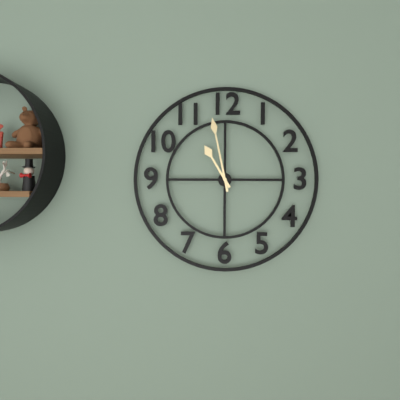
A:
h=10 m=58
